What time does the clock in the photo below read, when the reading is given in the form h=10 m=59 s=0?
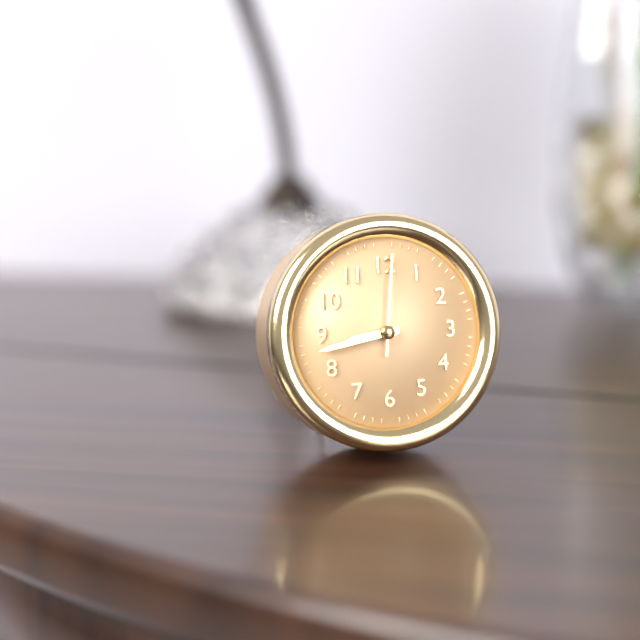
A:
h=8 m=43 s=1
